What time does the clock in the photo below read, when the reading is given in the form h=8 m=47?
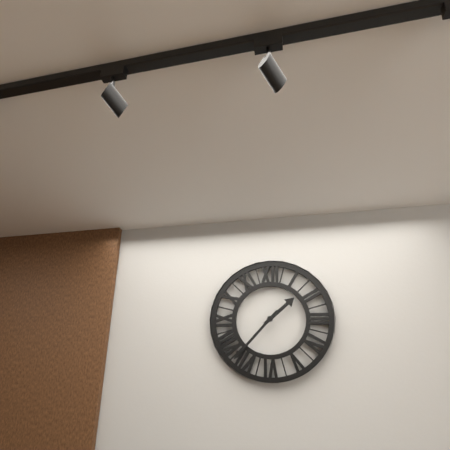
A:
h=1 m=37
